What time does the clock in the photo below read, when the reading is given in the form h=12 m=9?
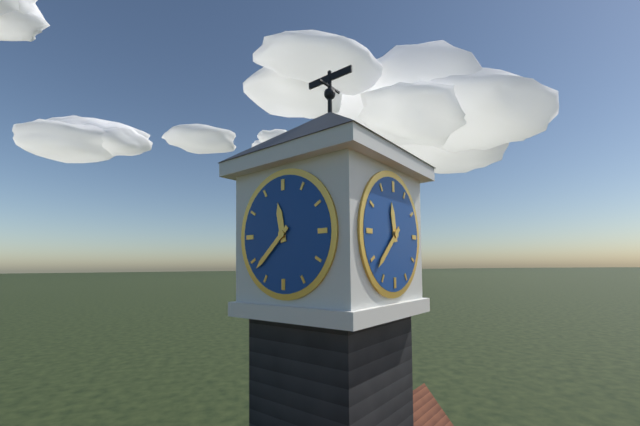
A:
h=11 m=38
